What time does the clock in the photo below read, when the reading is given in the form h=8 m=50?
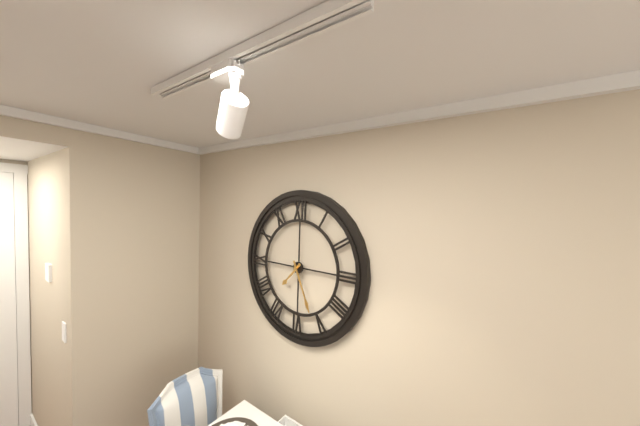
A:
h=7 m=26
